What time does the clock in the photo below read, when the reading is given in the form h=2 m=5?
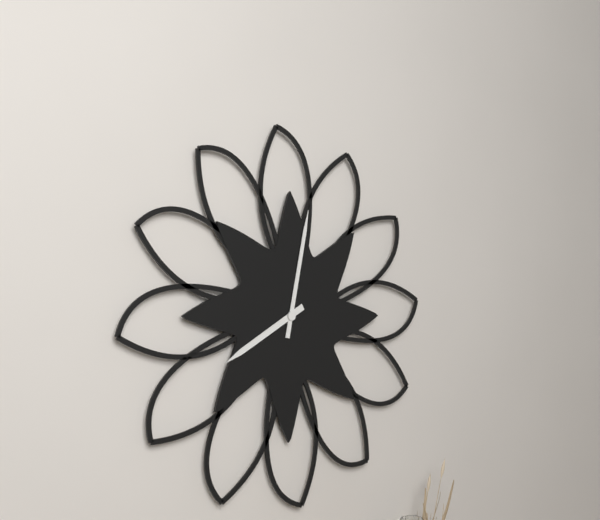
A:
h=8 m=2
